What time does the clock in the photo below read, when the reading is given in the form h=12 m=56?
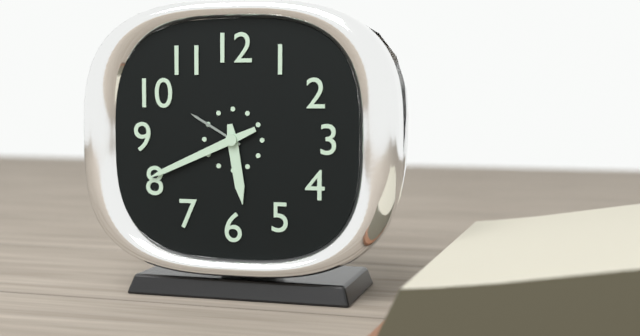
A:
h=5 m=41
